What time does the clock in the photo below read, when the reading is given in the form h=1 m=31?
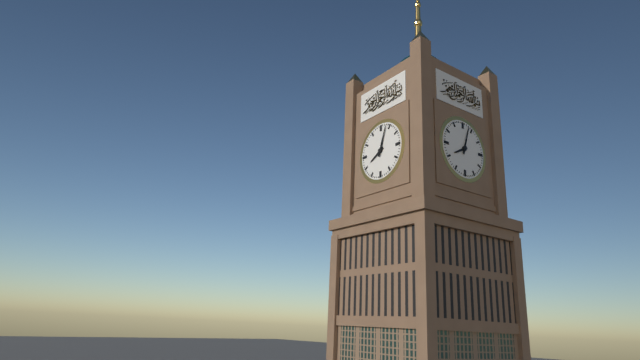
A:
h=8 m=3
